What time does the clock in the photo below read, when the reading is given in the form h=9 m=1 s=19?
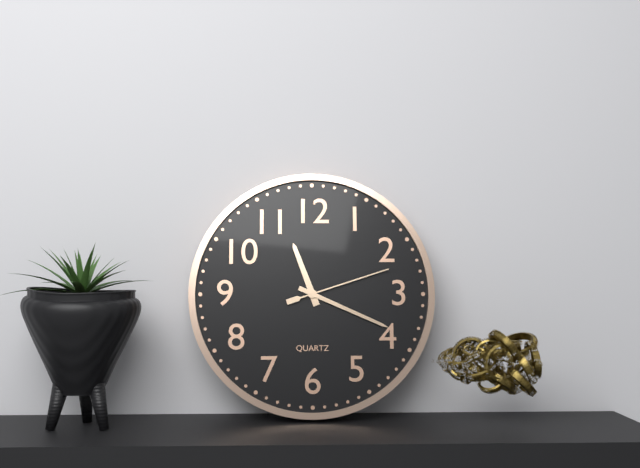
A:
h=11 m=19 s=12
